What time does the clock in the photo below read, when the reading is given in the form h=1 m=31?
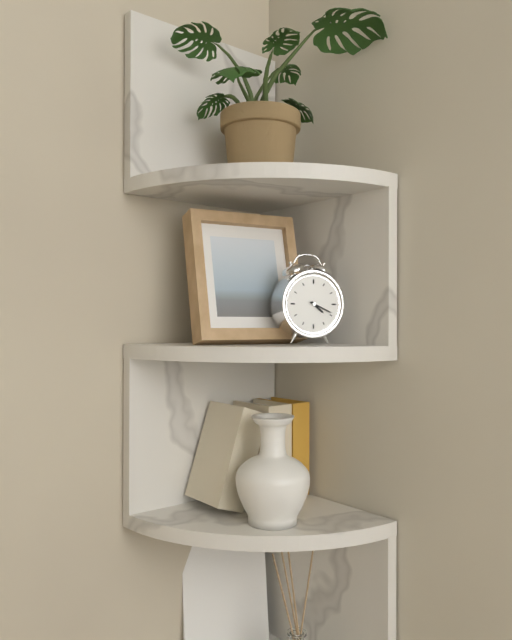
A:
h=4 m=19
